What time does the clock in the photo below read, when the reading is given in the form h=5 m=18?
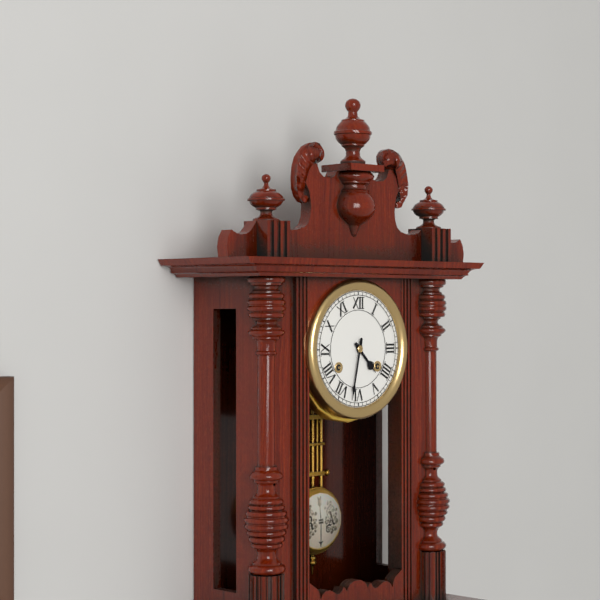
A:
h=4 m=32
